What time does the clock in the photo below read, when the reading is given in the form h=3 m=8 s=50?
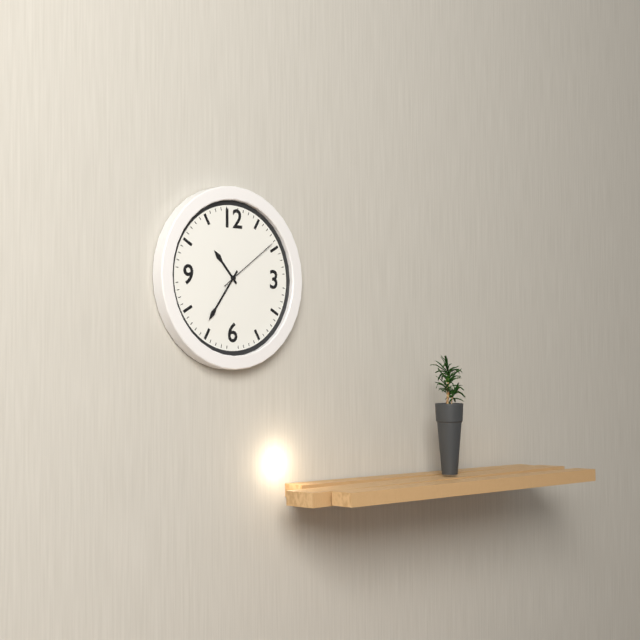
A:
h=10 m=36 s=9
